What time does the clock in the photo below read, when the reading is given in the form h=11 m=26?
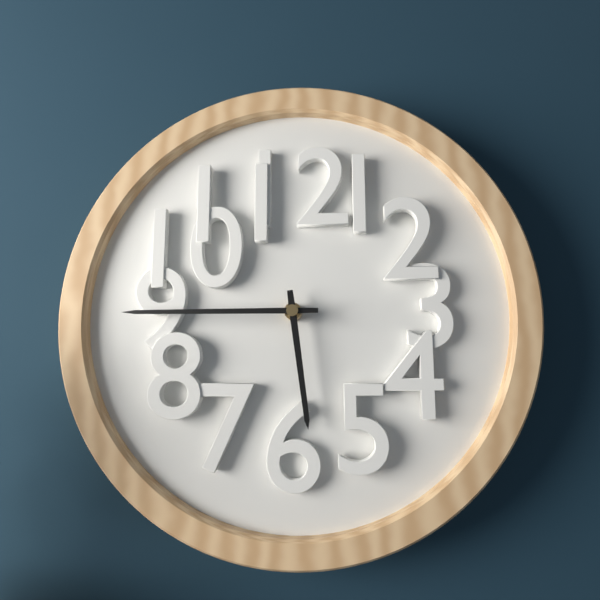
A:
h=5 m=45
